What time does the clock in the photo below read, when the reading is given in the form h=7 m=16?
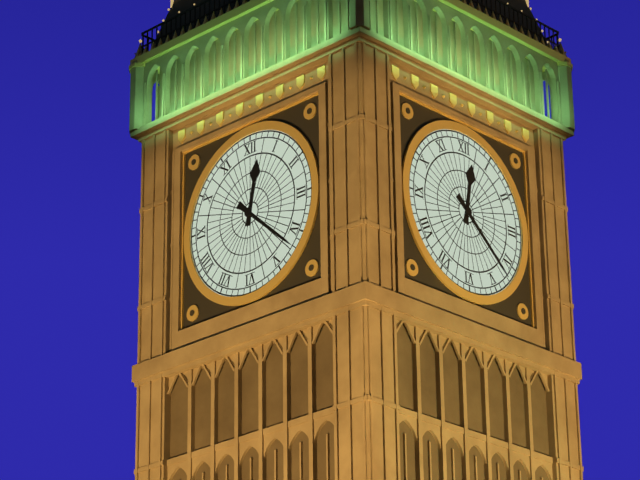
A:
h=12 m=22
